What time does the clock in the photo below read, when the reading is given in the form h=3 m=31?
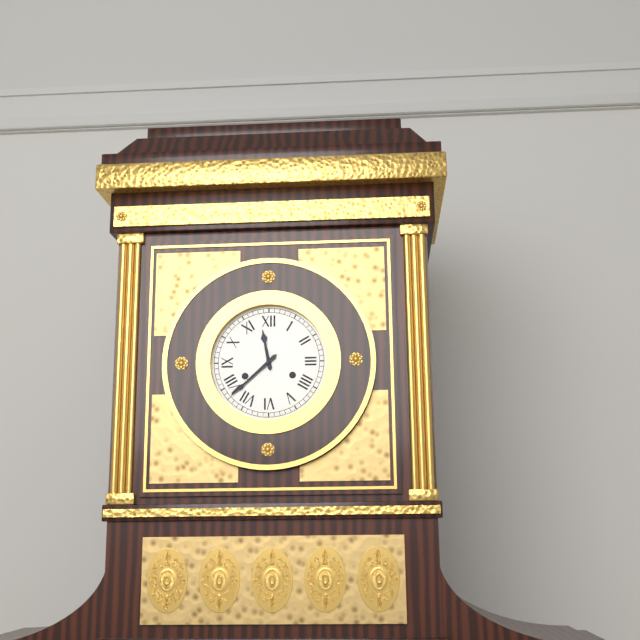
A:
h=11 m=38
